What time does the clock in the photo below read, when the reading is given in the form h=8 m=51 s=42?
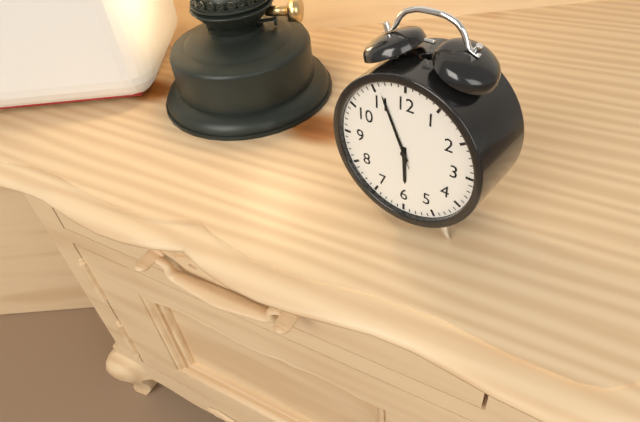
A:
h=5 m=56 s=56
